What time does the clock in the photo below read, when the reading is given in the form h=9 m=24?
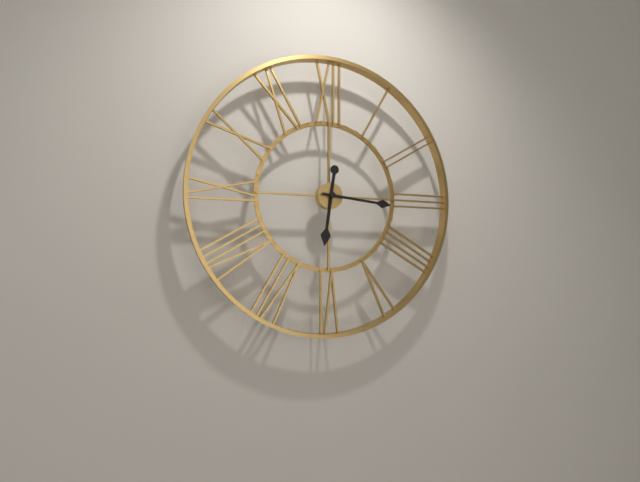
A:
h=6 m=16
